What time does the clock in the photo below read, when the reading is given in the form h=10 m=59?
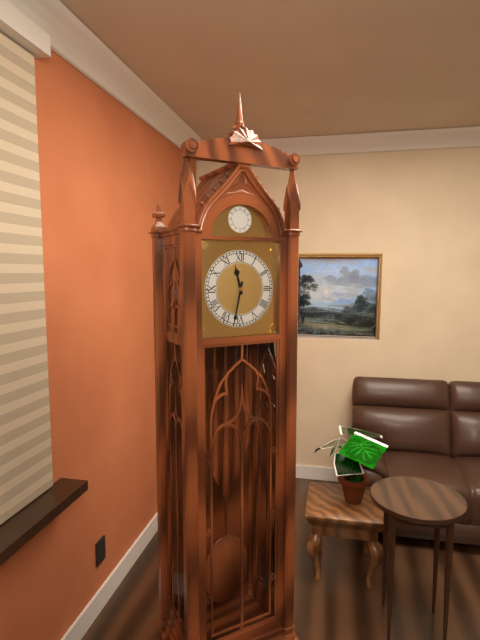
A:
h=11 m=32
